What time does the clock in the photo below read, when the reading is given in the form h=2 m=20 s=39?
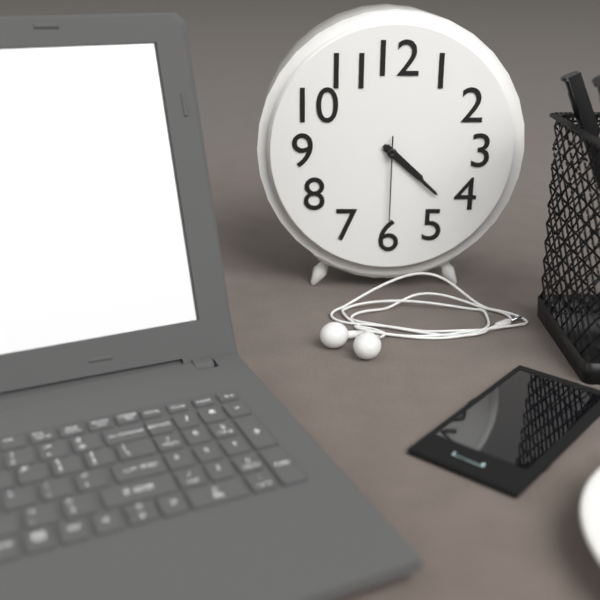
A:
h=4 m=22 s=30
